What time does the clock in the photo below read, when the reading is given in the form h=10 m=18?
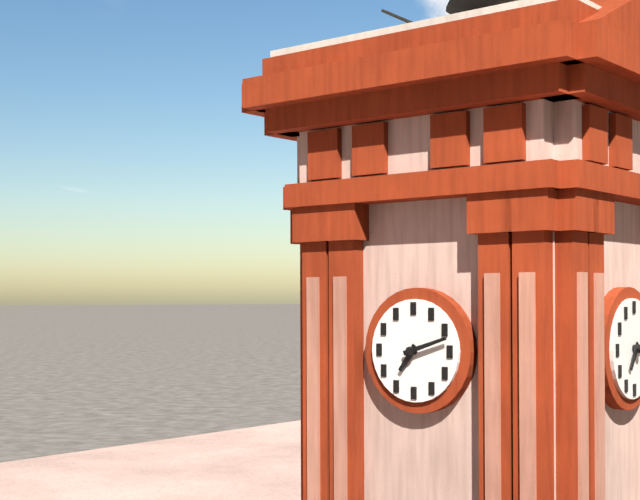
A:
h=7 m=12
